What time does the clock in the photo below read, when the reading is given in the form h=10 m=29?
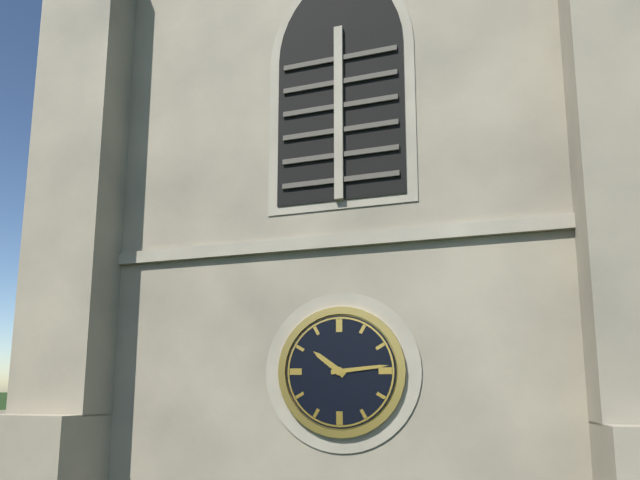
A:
h=10 m=14
